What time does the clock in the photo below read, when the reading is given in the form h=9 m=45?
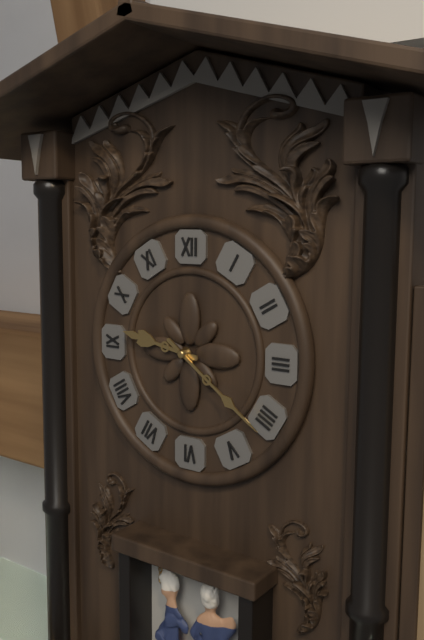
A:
h=9 m=21
